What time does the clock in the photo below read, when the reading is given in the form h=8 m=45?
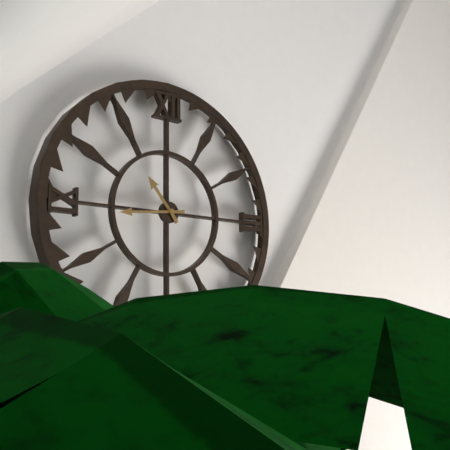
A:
h=10 m=44
